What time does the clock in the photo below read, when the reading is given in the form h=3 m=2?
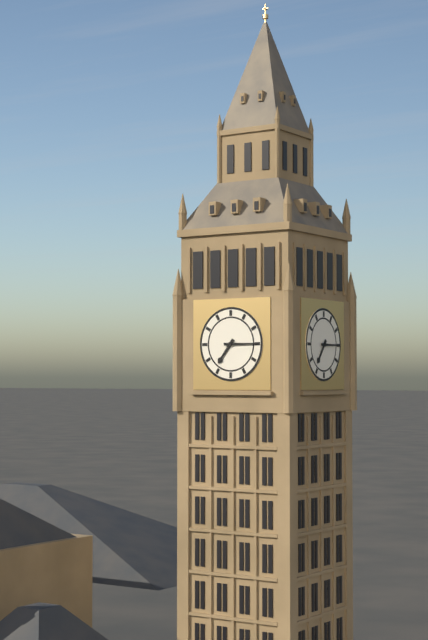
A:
h=7 m=15
